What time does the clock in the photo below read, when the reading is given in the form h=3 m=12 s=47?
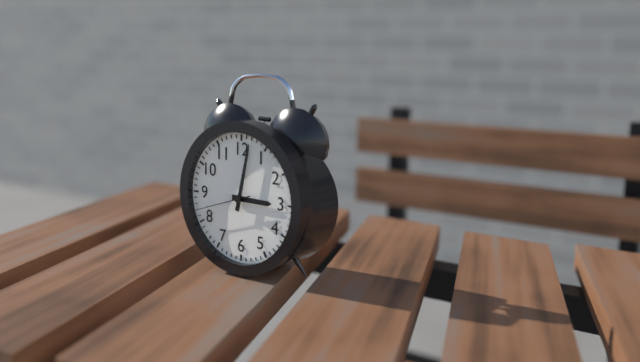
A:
h=3 m=2 s=42
